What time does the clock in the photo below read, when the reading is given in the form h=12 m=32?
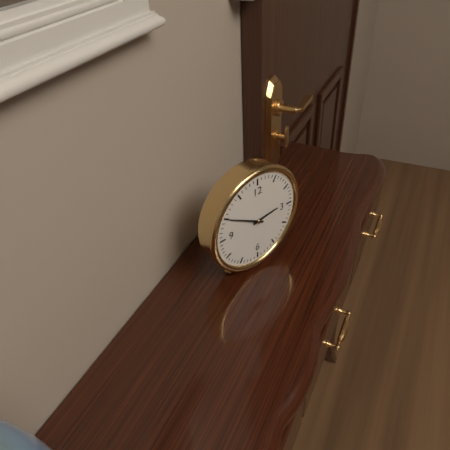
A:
h=2 m=50
